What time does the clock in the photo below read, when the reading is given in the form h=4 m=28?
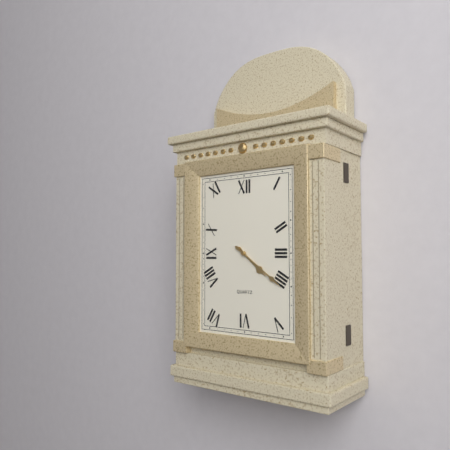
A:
h=4 m=21
